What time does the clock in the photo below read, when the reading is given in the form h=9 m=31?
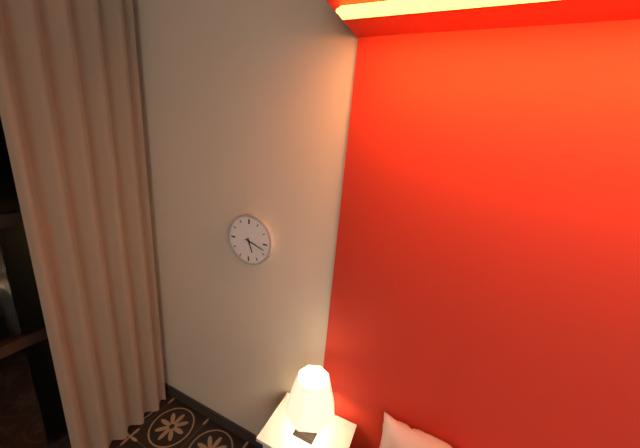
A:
h=5 m=18
